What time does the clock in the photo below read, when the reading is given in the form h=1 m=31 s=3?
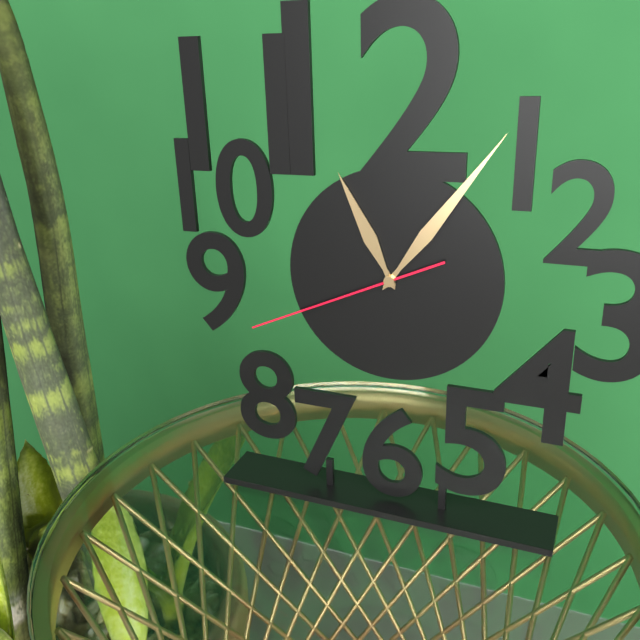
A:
h=11 m=6 s=41
